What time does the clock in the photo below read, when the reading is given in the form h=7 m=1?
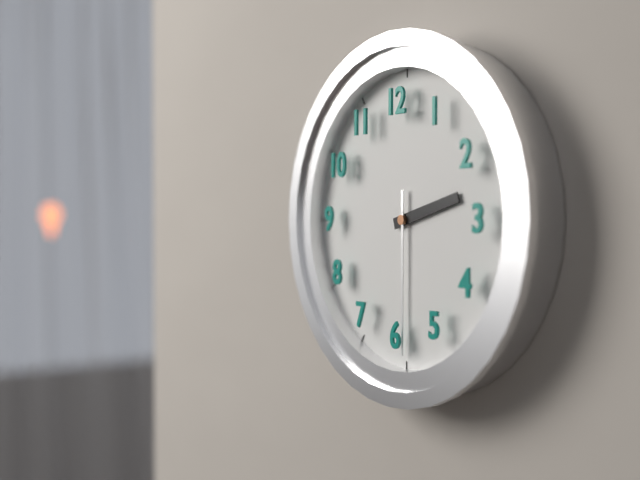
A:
h=2 m=30
